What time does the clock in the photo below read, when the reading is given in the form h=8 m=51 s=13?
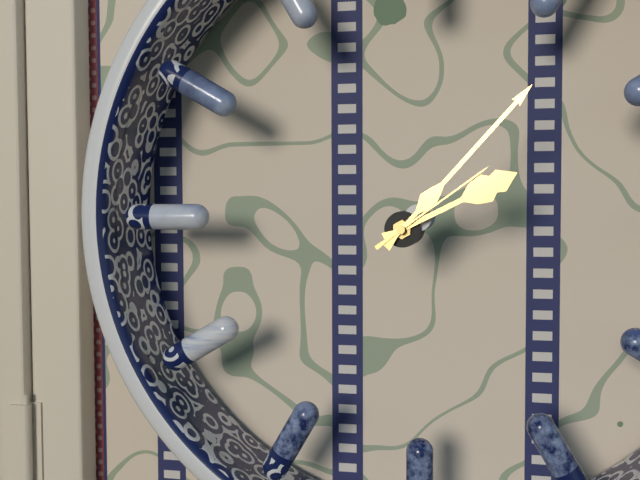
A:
h=2 m=7 s=9
